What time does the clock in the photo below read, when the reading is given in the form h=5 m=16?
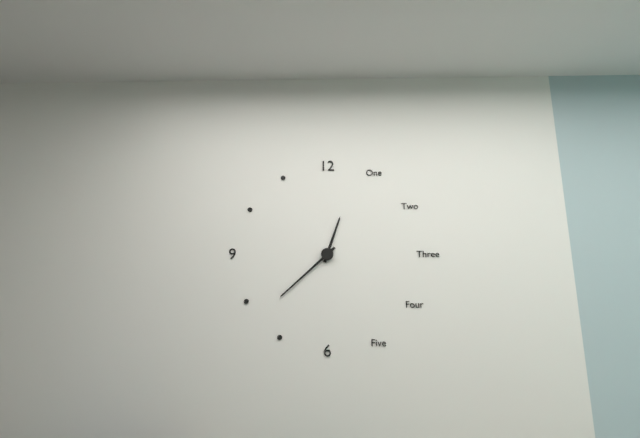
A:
h=12 m=38
